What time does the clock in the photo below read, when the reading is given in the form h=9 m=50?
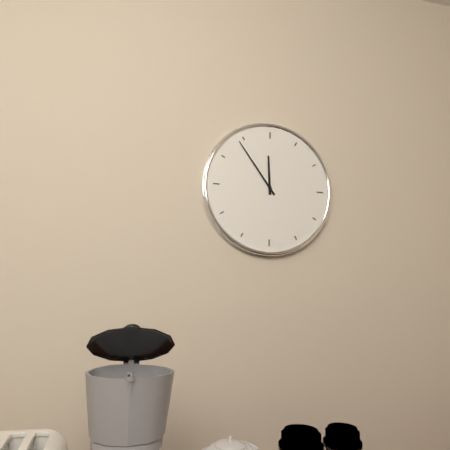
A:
h=11 m=54
